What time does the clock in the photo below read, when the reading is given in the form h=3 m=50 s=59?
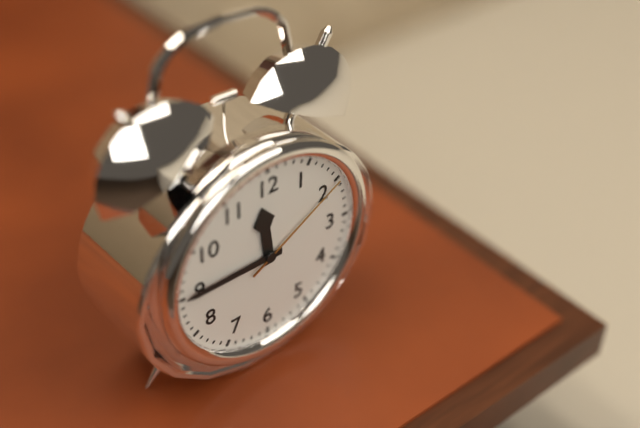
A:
h=11 m=45 s=10
